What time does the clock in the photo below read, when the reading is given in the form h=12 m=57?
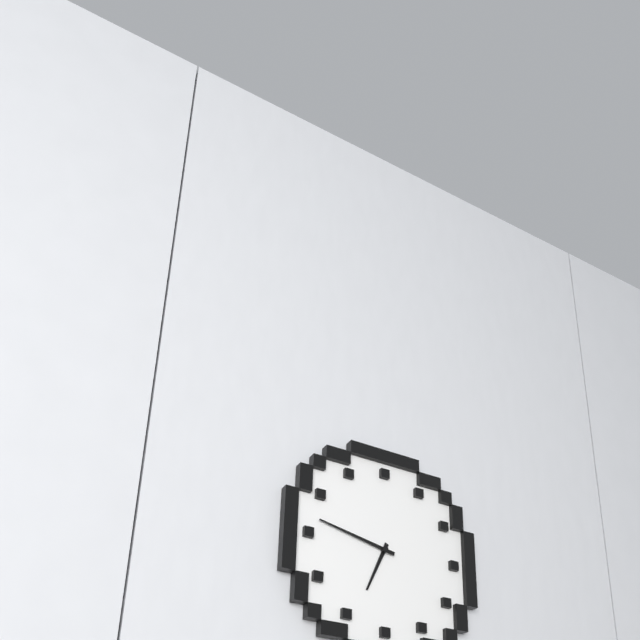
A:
h=6 m=47
